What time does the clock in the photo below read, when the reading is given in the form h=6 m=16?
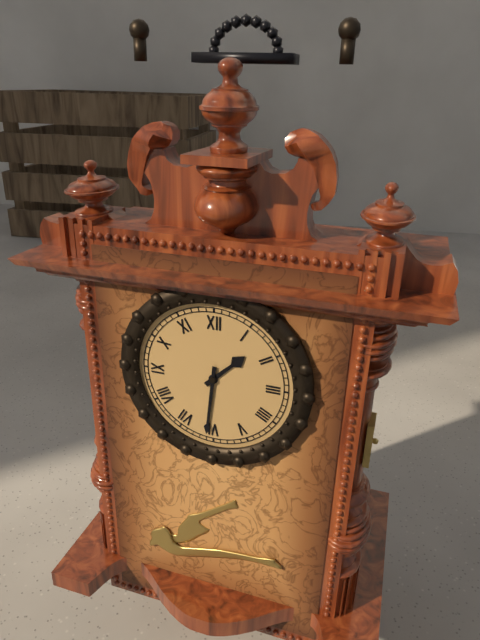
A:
h=1 m=31
